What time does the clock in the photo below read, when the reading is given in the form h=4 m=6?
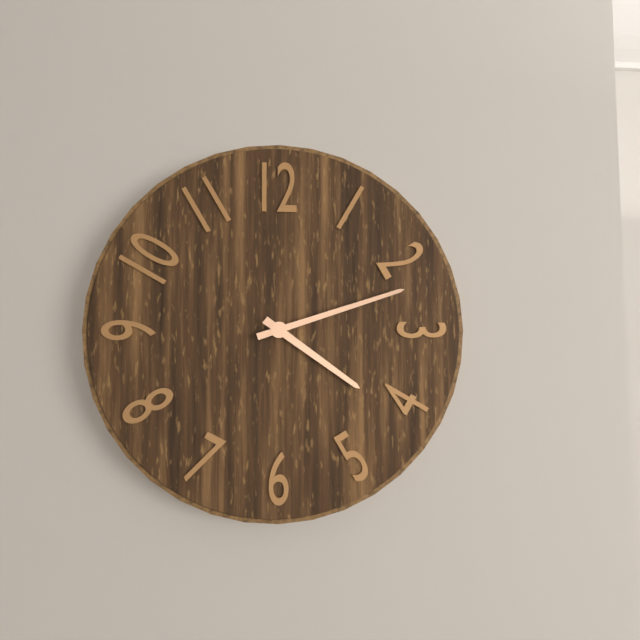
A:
h=4 m=12
